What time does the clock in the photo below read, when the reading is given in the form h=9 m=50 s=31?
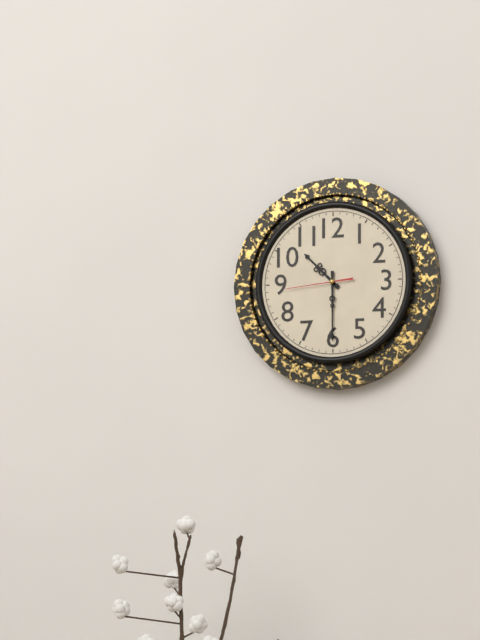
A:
h=10 m=30 s=44
